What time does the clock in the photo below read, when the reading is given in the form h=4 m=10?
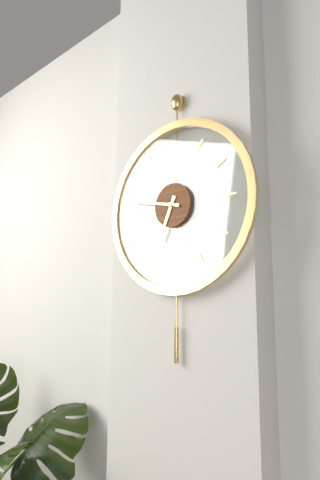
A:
h=6 m=47
